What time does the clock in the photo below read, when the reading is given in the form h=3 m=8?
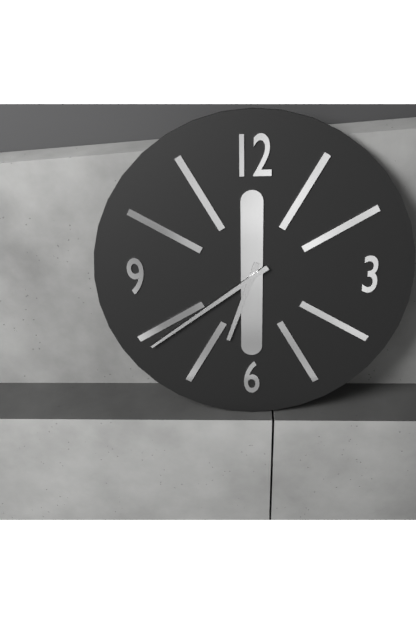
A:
h=6 m=39
